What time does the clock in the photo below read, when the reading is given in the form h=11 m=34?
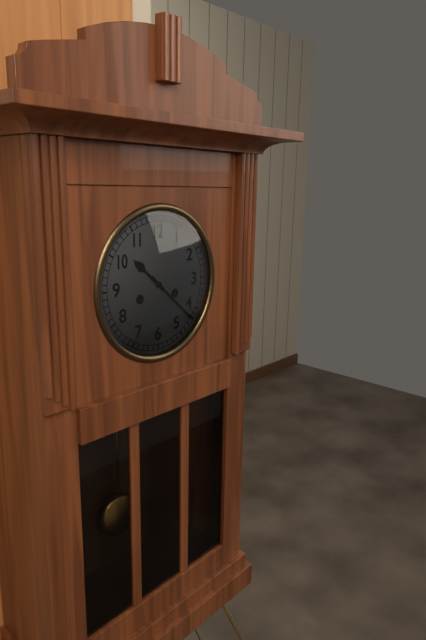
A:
h=10 m=22
